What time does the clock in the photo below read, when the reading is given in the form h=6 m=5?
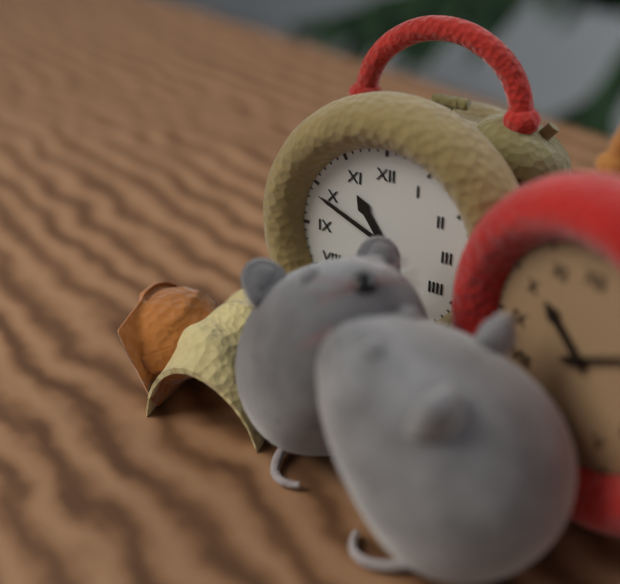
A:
h=10 m=49
